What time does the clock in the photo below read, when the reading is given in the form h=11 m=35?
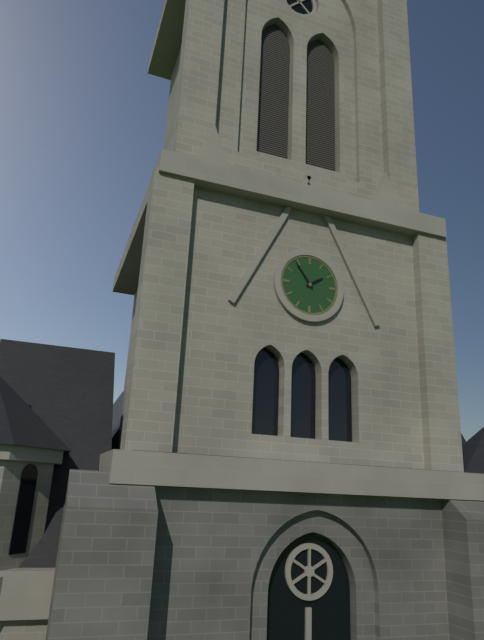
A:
h=1 m=54
